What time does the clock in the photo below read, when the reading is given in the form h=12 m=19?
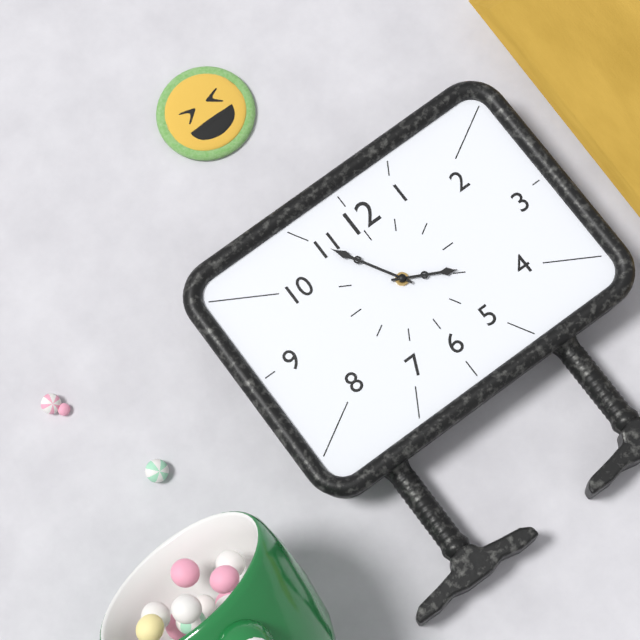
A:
h=3 m=55
